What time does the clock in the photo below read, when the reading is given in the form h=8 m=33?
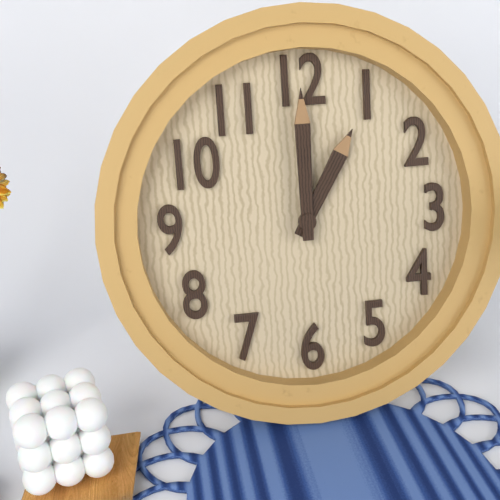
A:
h=1 m=0
